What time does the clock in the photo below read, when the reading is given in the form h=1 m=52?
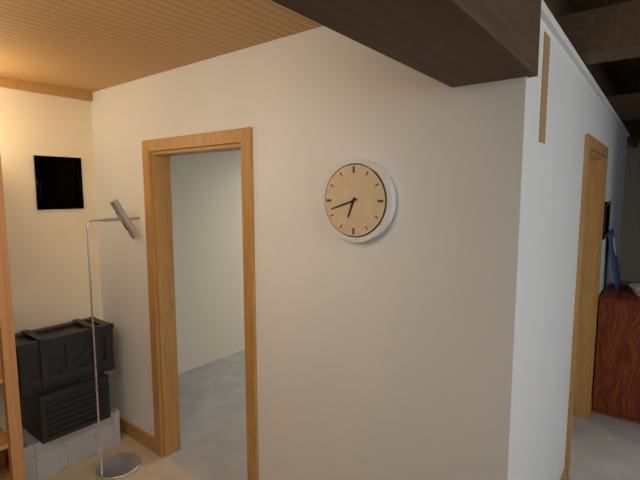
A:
h=6 m=42
